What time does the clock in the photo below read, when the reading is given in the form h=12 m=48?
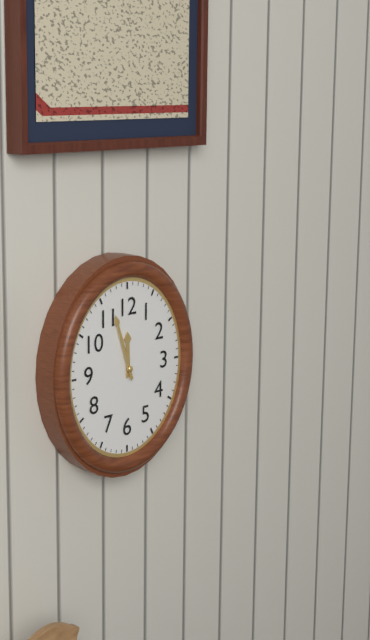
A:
h=11 m=57
